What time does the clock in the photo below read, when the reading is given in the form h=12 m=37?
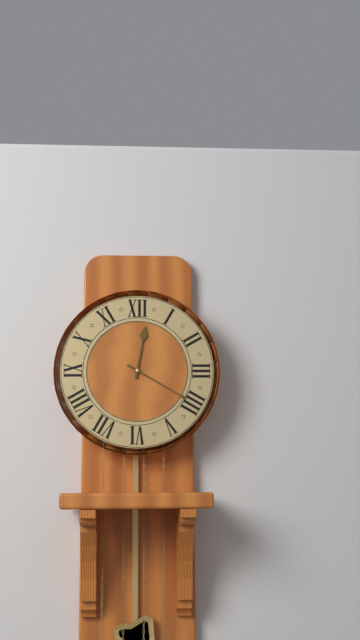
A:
h=12 m=20
